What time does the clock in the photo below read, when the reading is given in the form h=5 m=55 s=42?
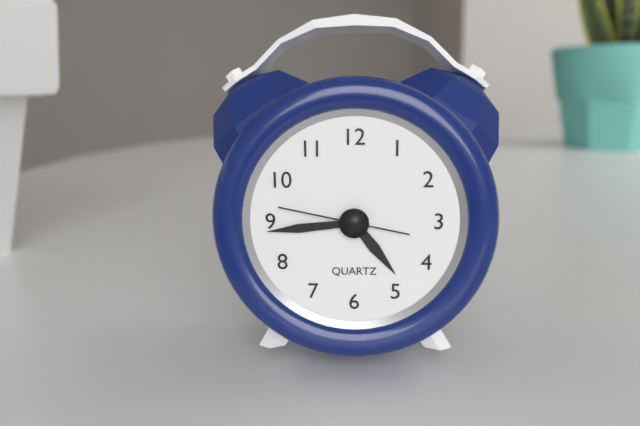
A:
h=4 m=44 s=47
